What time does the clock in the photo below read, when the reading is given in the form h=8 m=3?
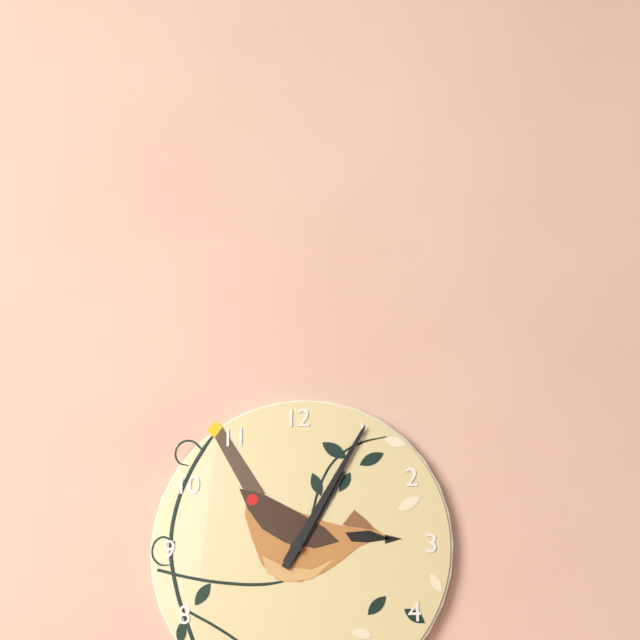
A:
h=1 m=5
